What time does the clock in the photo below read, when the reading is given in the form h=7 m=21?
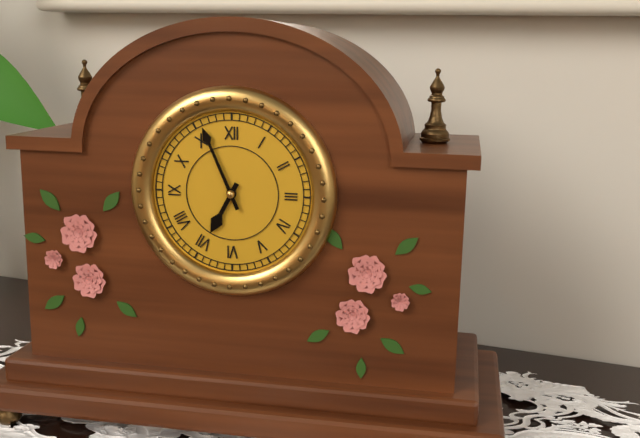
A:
h=6 m=56
